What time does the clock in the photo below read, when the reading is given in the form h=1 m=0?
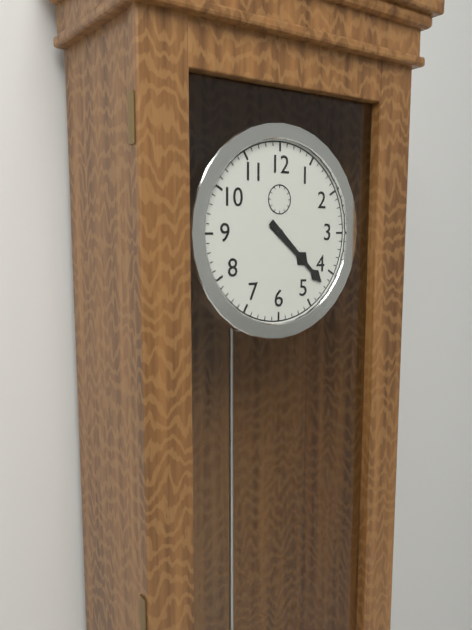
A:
h=4 m=22
